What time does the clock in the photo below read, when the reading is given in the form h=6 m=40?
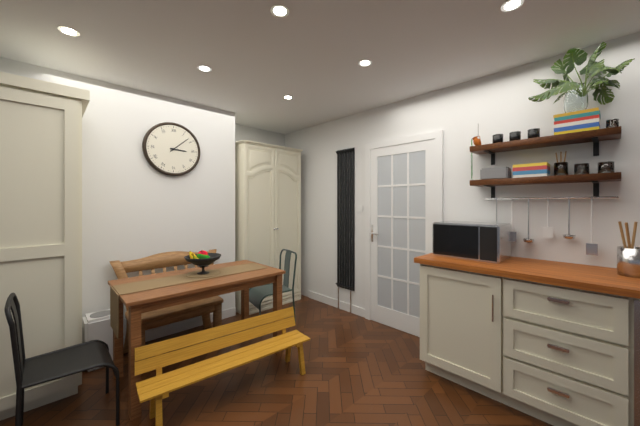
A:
h=3 m=8
